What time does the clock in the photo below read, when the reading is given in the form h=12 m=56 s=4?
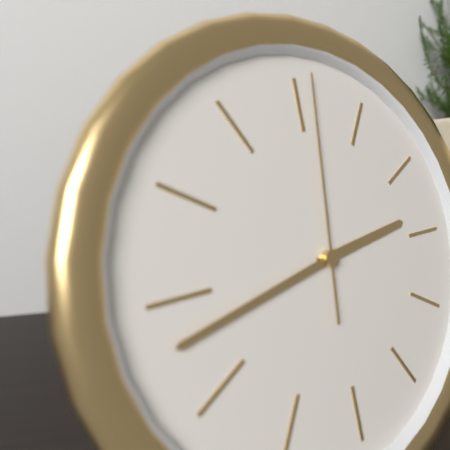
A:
h=2 m=43 s=1
